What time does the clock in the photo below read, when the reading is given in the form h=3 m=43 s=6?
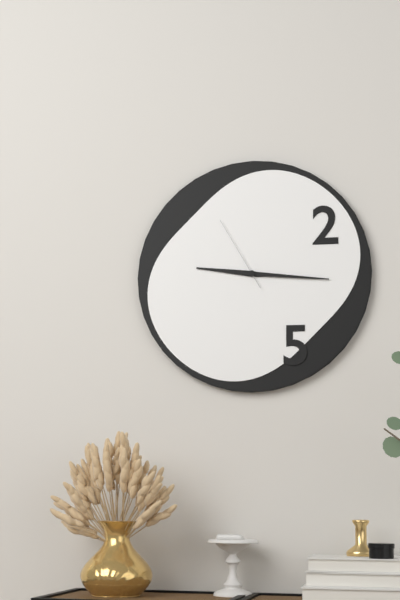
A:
h=9 m=16 s=55
